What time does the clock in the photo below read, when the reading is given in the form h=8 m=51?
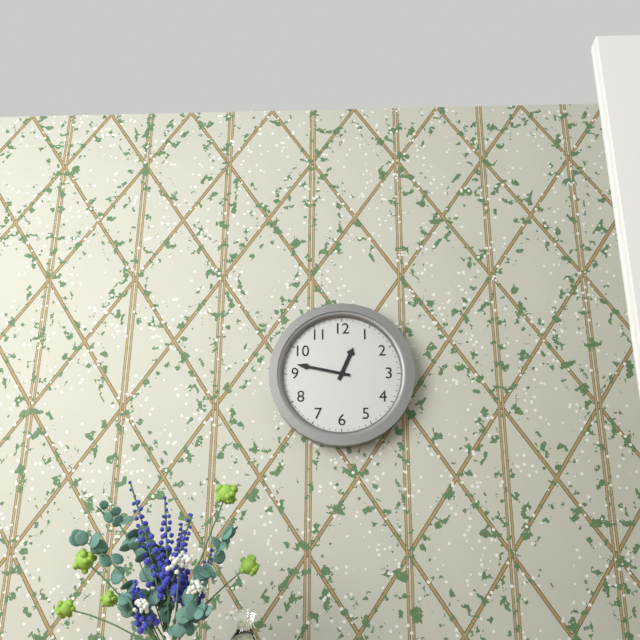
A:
h=12 m=47
